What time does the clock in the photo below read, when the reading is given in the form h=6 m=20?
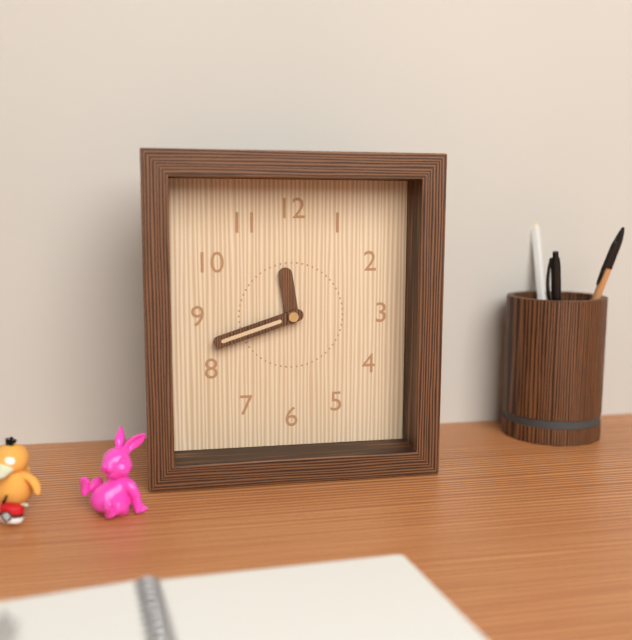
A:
h=11 m=42
